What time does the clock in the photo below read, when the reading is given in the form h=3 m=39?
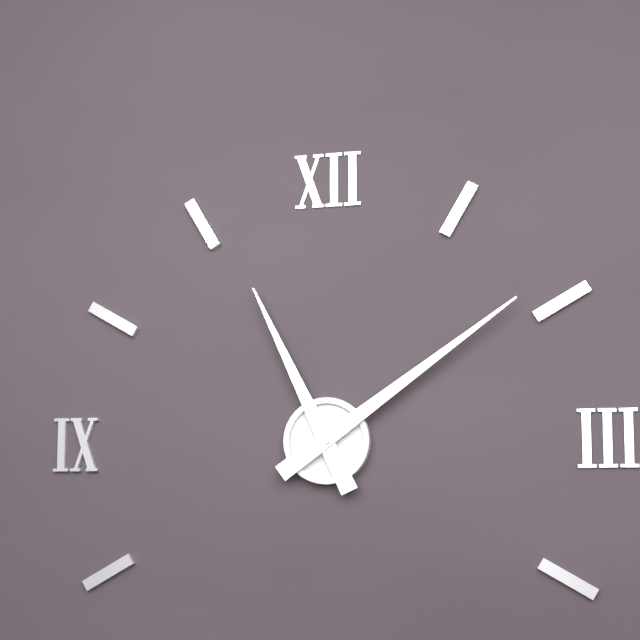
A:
h=11 m=9
